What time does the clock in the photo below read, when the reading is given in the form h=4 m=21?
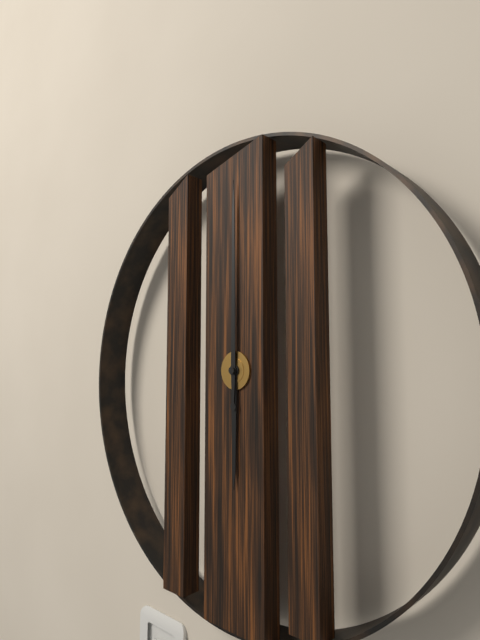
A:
h=6 m=0
